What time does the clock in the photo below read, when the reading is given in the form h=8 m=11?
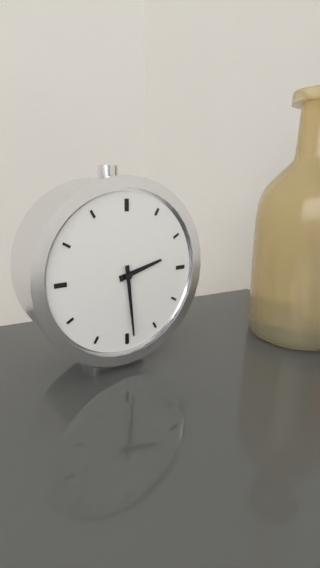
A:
h=2 m=29
